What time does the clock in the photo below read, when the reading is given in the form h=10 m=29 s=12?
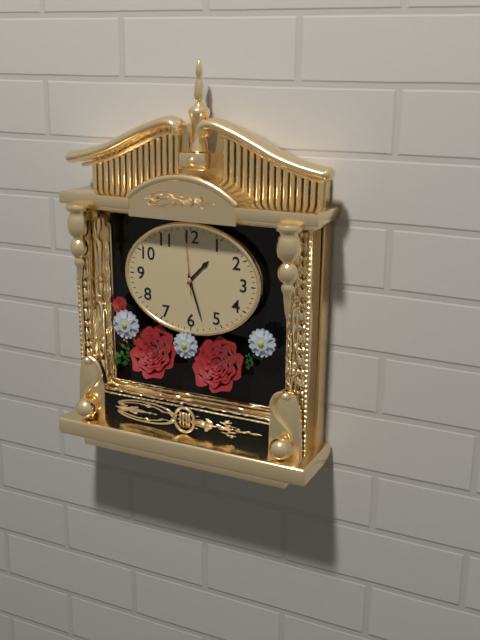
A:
h=1 m=27 s=59
